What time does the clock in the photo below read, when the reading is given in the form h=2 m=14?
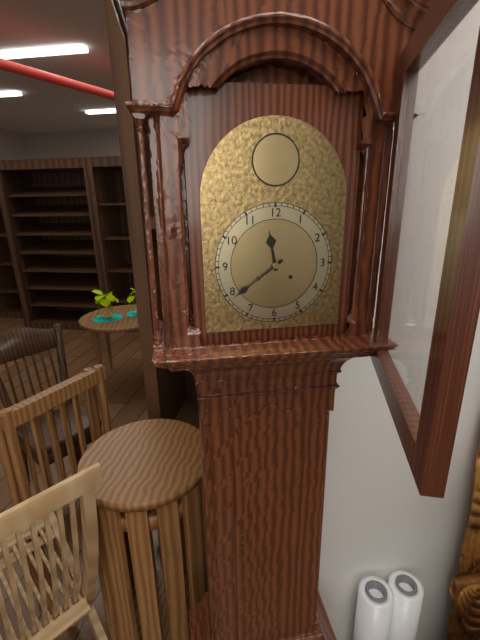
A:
h=11 m=39
